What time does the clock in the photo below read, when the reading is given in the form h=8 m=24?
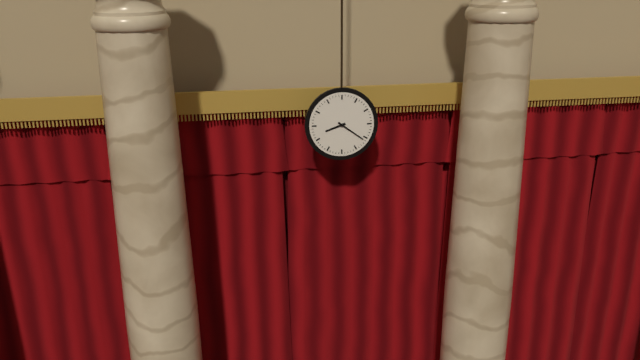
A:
h=8 m=21
